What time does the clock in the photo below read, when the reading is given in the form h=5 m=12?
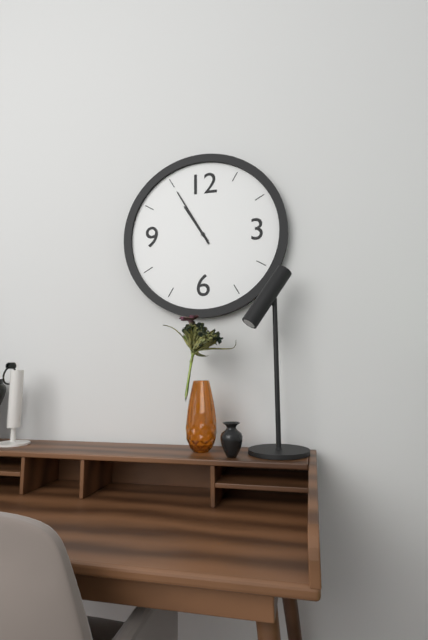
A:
h=10 m=55
